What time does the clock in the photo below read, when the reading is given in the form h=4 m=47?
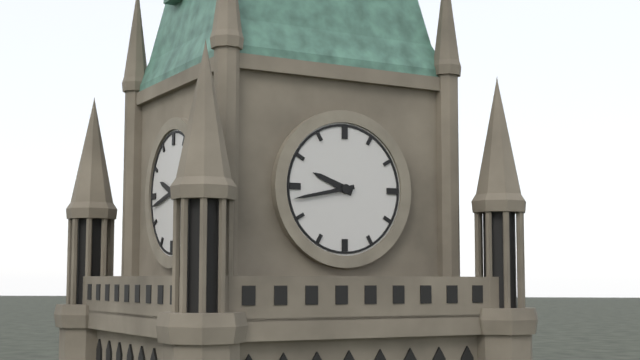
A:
h=9 m=43
